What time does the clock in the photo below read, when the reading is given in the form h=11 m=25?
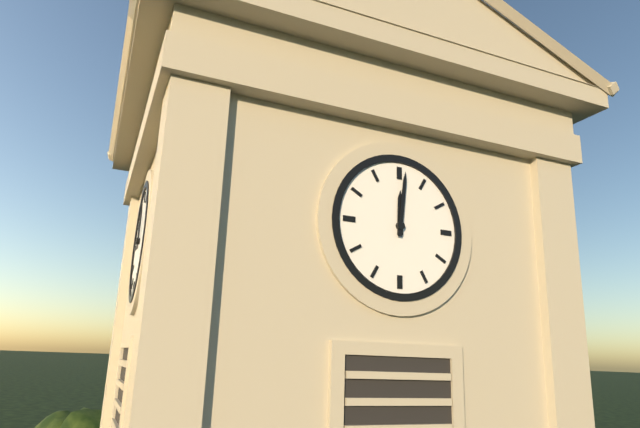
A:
h=12 m=1
